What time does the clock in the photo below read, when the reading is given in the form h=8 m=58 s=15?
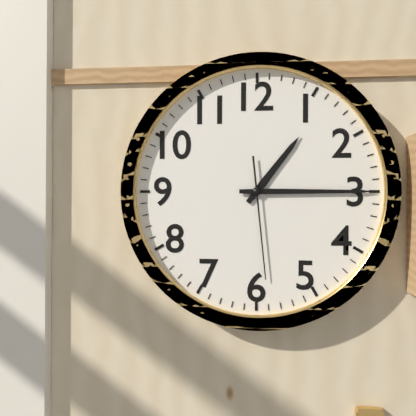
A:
h=1 m=15 s=29
